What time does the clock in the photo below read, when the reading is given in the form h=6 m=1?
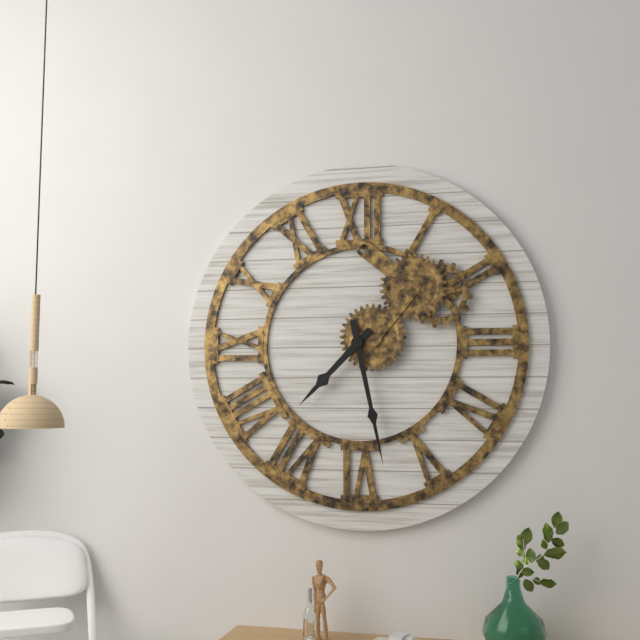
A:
h=7 m=28
